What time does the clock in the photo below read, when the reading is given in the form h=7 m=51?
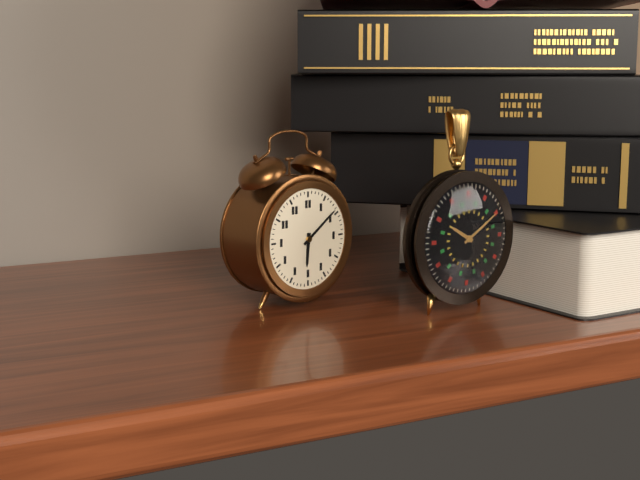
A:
h=6 m=9
